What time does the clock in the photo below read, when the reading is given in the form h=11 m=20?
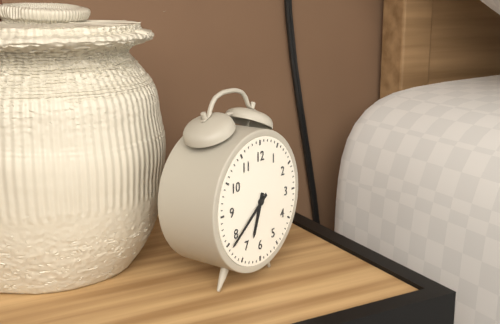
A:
h=6 m=39
